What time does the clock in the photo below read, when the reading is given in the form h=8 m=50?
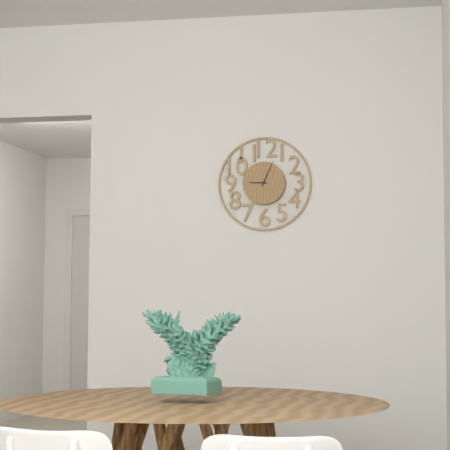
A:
h=9 m=4
